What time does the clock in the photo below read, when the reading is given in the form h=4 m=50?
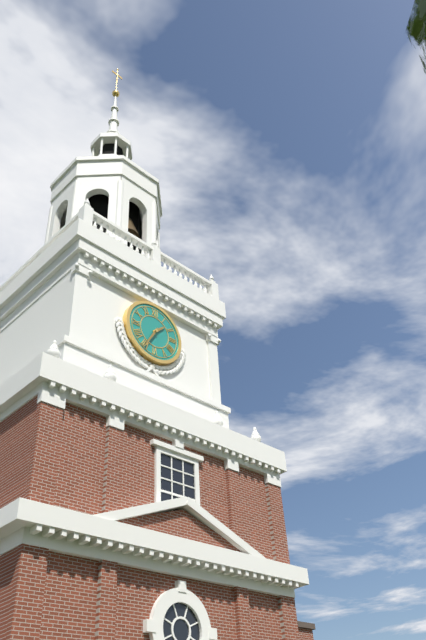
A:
h=1 m=35
